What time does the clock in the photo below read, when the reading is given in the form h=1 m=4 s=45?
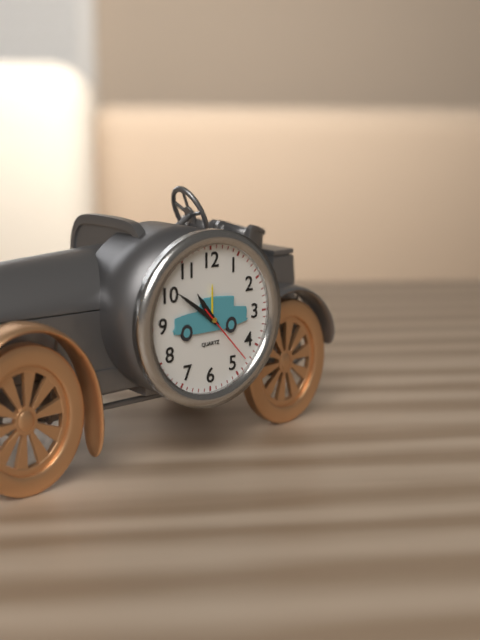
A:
h=10 m=51 s=23
